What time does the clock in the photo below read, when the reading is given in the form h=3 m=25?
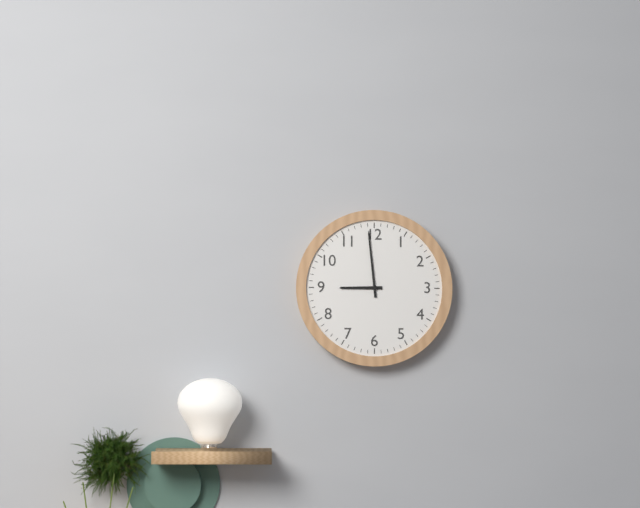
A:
h=8 m=59
